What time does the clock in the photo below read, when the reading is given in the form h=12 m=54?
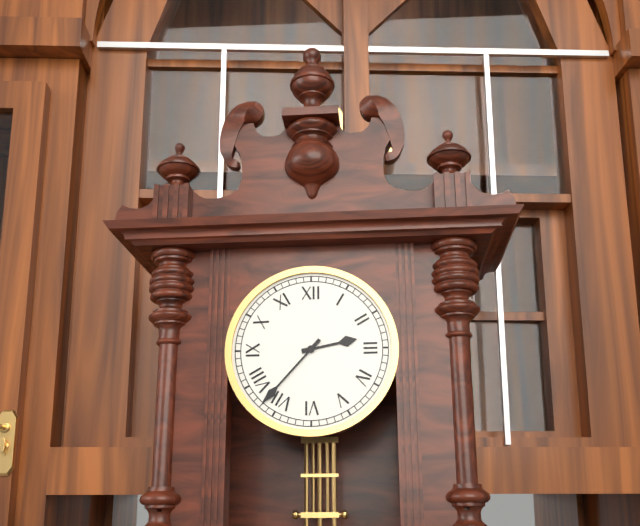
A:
h=2 m=37
